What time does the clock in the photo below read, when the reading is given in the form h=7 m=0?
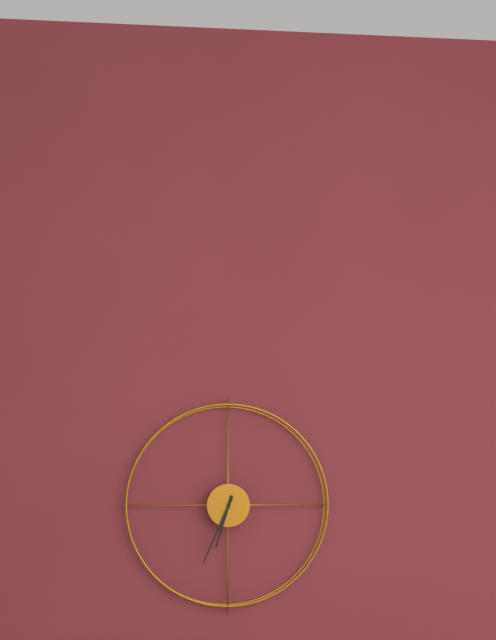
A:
h=6 m=34
